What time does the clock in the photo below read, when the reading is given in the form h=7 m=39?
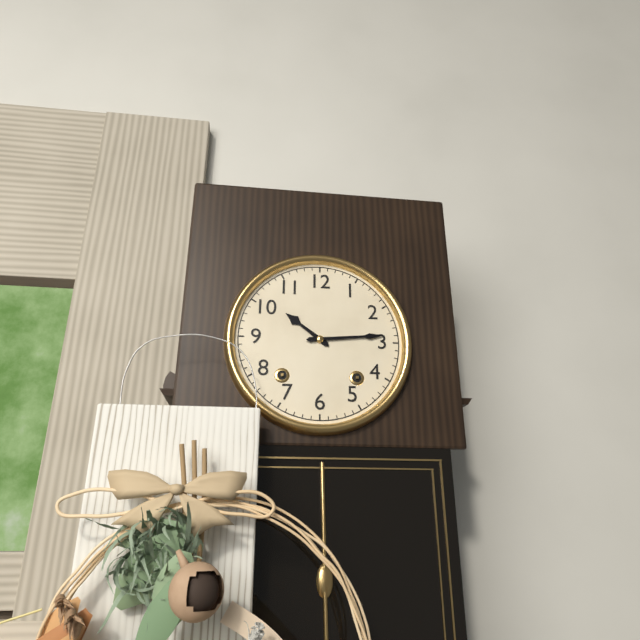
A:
h=10 m=14
